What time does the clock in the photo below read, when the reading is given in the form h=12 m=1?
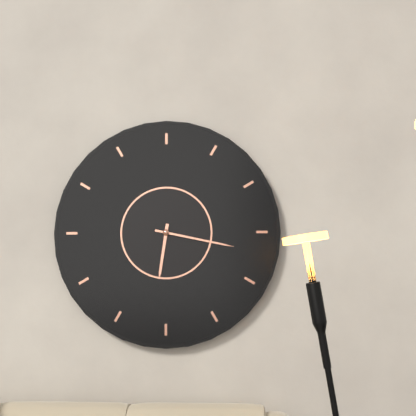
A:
h=6 m=17
